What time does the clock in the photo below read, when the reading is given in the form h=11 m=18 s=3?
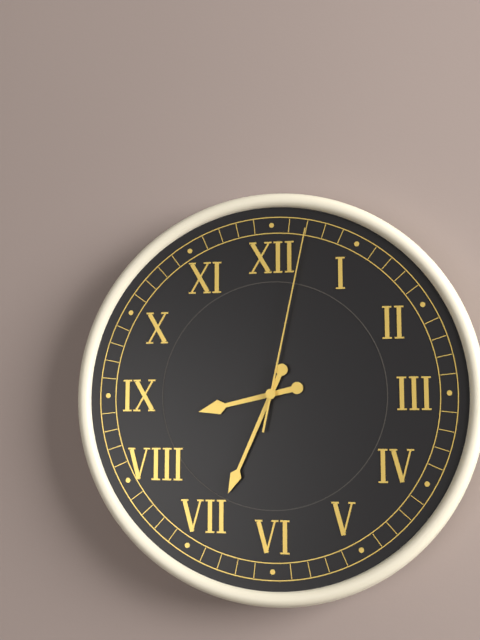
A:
h=8 m=34 s=2
